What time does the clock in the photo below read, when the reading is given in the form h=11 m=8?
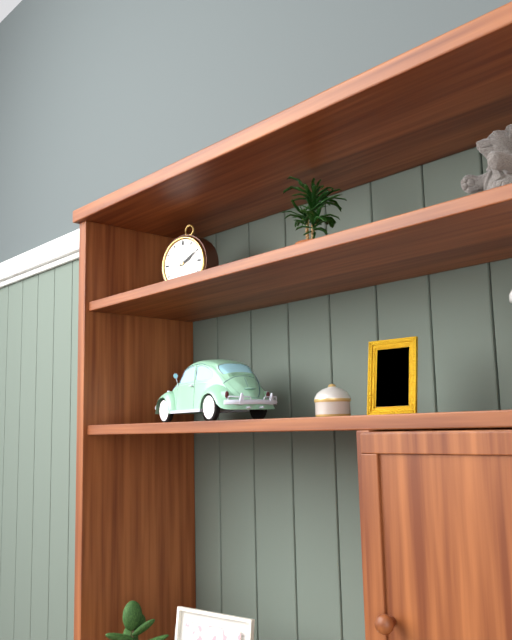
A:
h=2 m=10
